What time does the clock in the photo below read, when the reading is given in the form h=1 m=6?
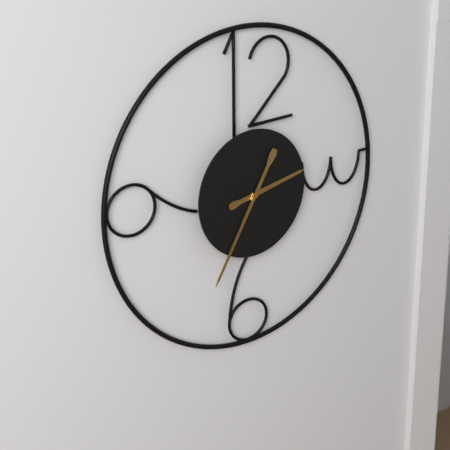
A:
h=2 m=35
